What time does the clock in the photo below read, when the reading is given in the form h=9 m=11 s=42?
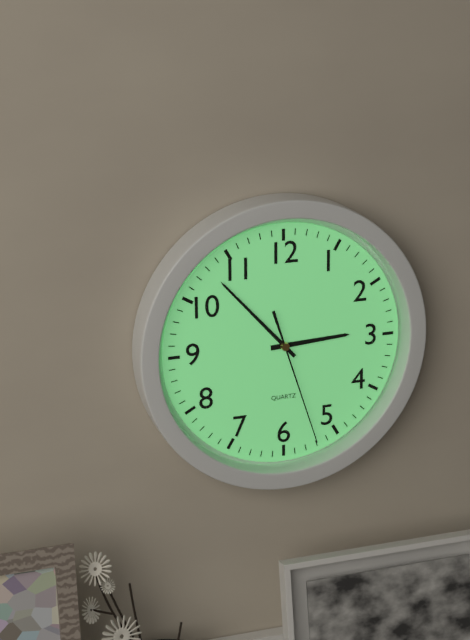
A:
h=2 m=53 s=27
